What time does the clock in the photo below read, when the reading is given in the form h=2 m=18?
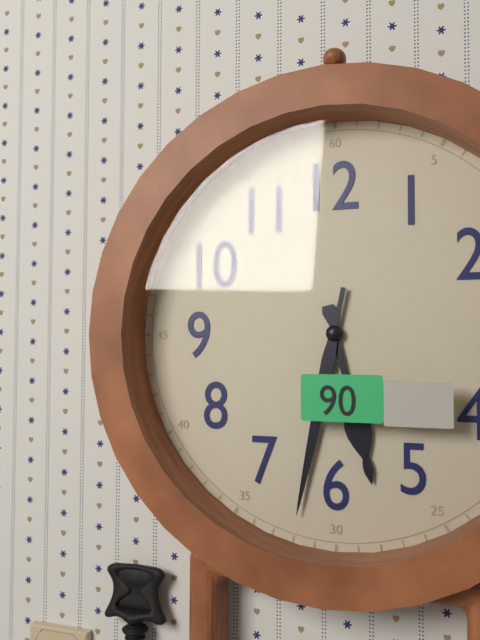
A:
h=5 m=32
